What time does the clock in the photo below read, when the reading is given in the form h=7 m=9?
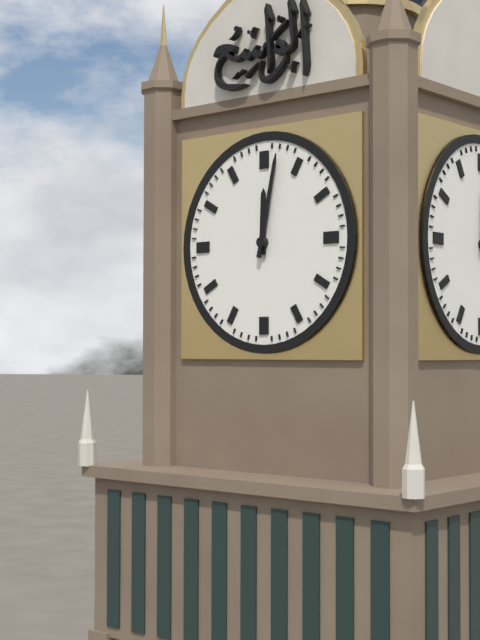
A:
h=12 m=2
